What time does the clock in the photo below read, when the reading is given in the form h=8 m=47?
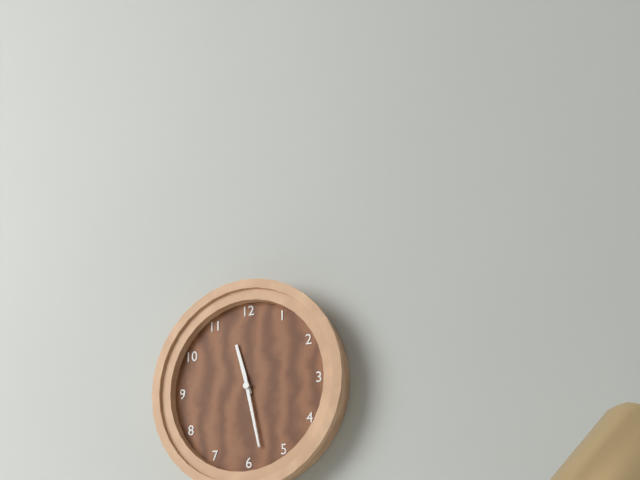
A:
h=11 m=28
